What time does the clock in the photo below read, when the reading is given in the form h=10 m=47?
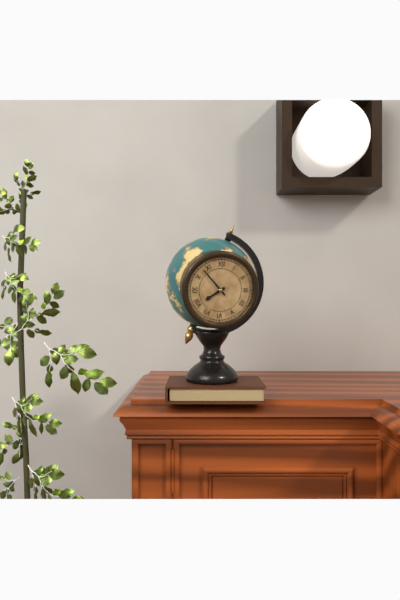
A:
h=7 m=53
